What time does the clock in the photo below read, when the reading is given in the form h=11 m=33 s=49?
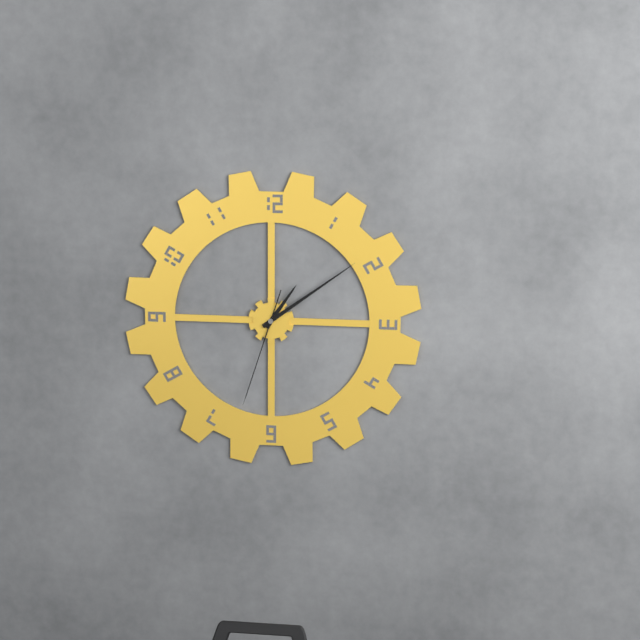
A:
h=1 m=9 s=33
